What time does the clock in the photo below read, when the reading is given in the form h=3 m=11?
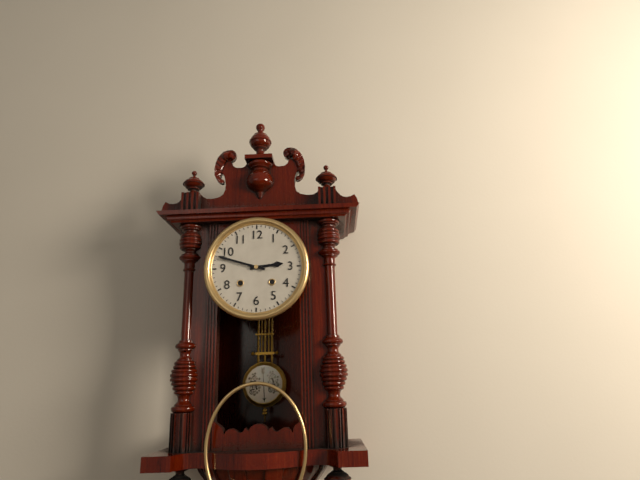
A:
h=2 m=48
